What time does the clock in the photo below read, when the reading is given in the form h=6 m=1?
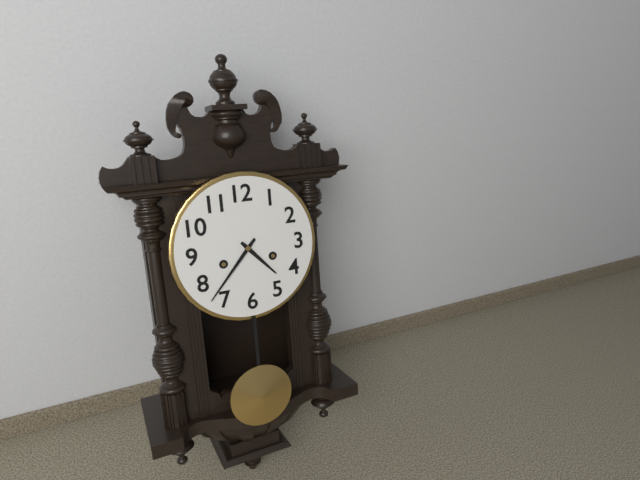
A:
h=4 m=37
